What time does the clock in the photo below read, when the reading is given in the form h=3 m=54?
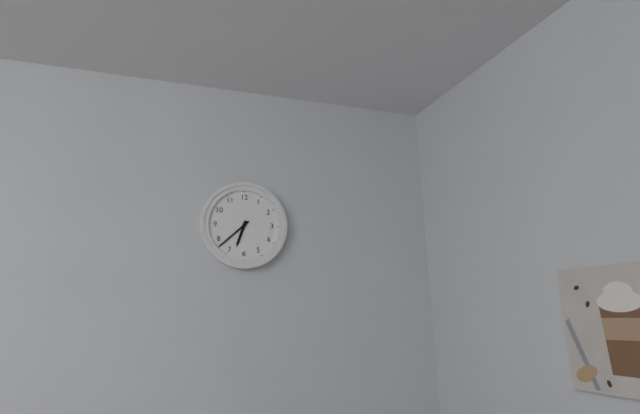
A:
h=6 m=38
